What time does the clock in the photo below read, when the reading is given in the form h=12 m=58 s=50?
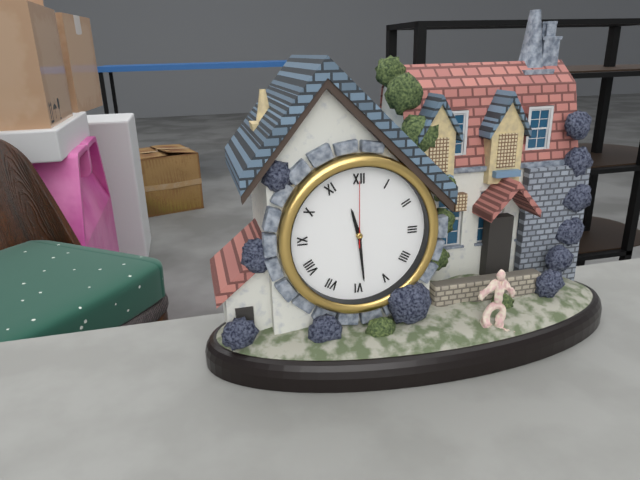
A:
h=11 m=29 s=0
